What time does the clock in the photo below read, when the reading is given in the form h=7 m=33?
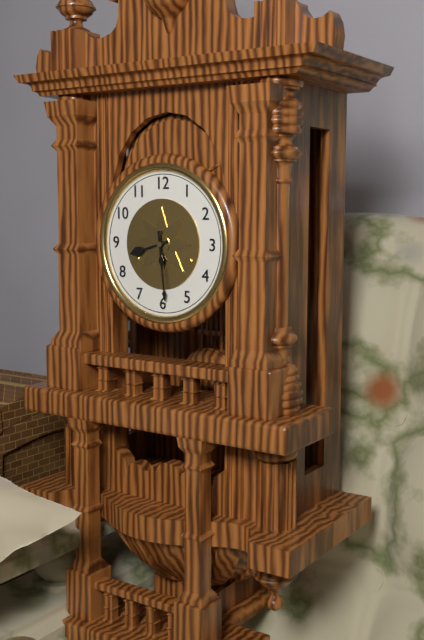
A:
h=8 m=29
